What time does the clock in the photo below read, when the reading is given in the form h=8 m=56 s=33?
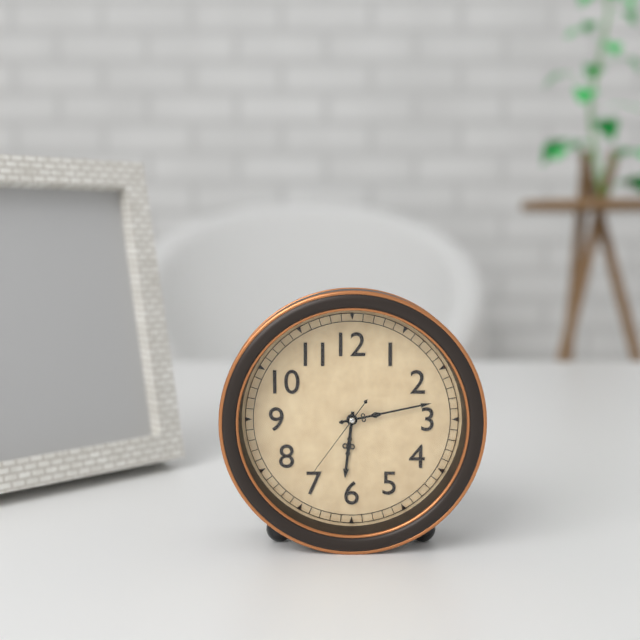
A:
h=6 m=13 s=36
